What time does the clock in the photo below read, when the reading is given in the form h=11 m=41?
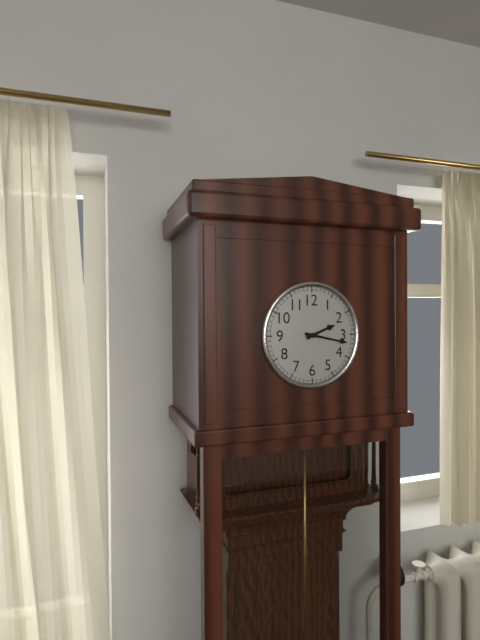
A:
h=2 m=17
